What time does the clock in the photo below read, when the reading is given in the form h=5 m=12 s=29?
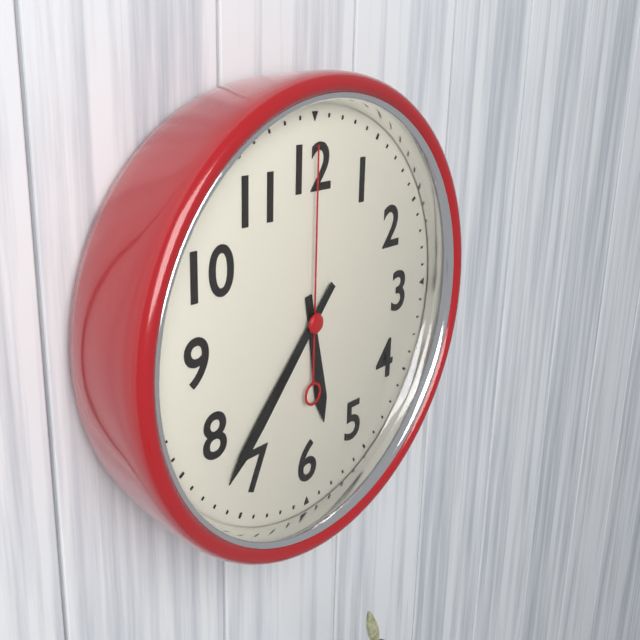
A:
h=5 m=37 s=0
